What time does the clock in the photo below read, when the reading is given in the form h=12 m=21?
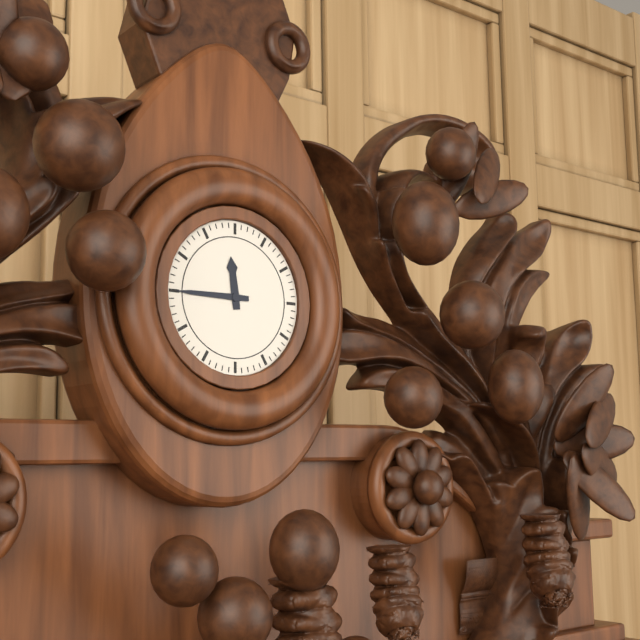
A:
h=11 m=45
